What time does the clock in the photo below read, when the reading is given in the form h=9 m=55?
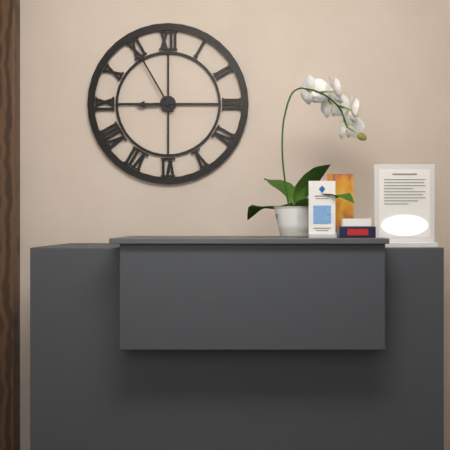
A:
h=8 m=55
